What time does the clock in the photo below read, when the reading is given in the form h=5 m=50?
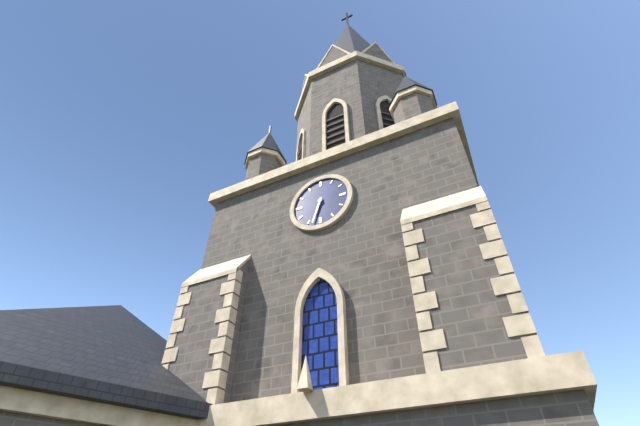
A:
h=6 m=33
